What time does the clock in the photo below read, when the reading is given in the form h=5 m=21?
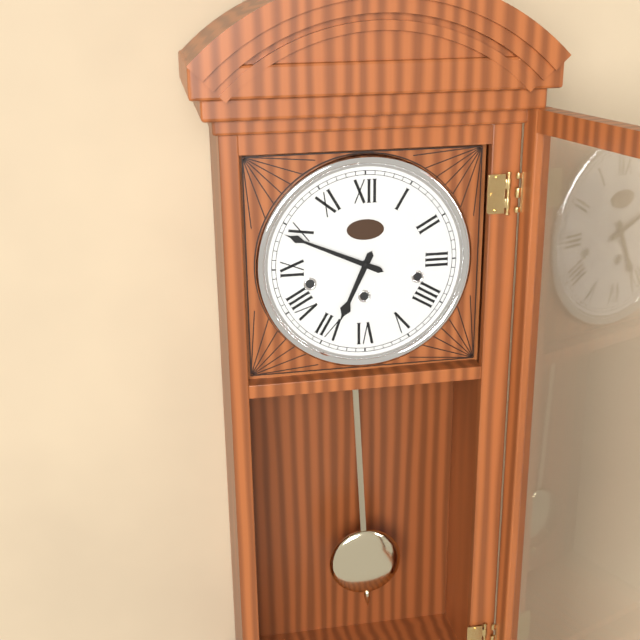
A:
h=6 m=49
